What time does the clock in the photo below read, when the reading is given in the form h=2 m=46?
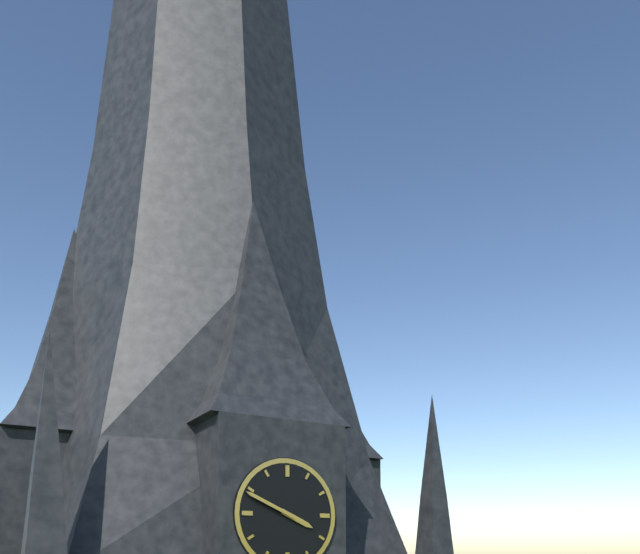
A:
h=3 m=49
